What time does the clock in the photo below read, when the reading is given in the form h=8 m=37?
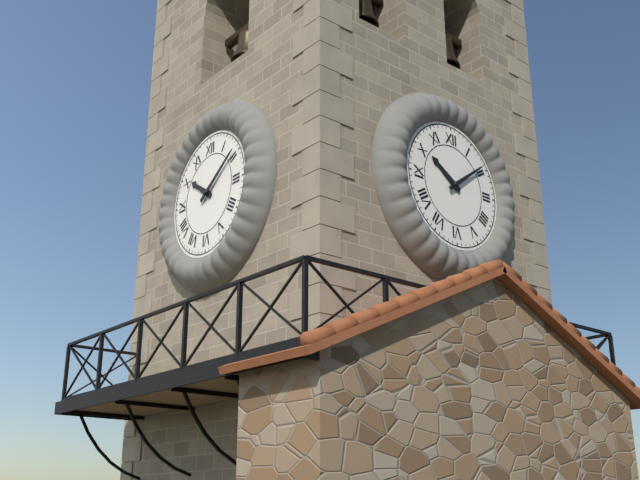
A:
h=10 m=9
